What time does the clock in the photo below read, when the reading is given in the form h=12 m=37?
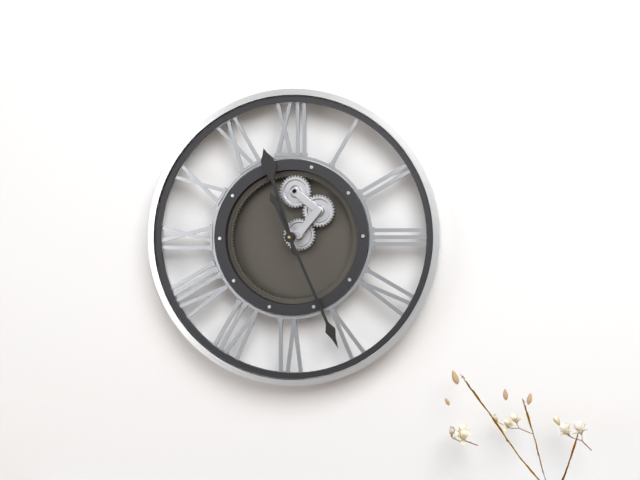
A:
h=11 m=26
